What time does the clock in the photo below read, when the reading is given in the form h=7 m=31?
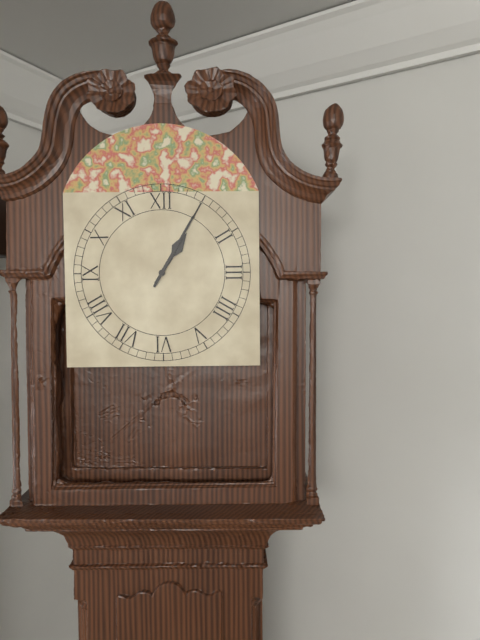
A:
h=1 m=5
